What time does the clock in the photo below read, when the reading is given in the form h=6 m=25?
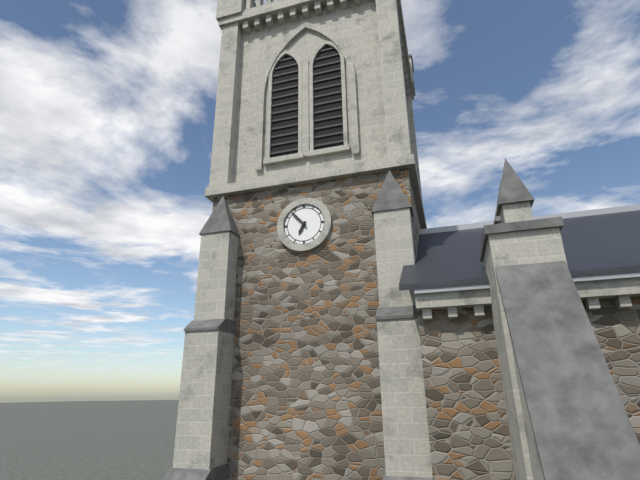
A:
h=6 m=53
